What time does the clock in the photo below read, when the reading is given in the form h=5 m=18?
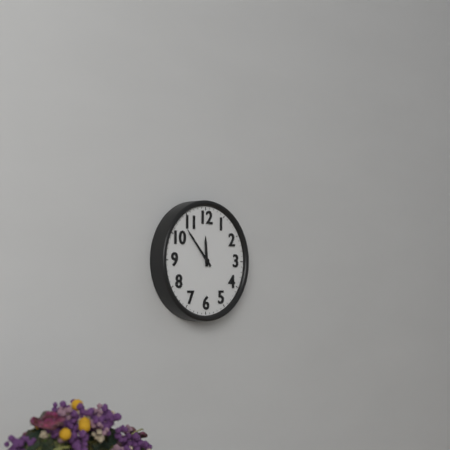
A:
h=11 m=53
